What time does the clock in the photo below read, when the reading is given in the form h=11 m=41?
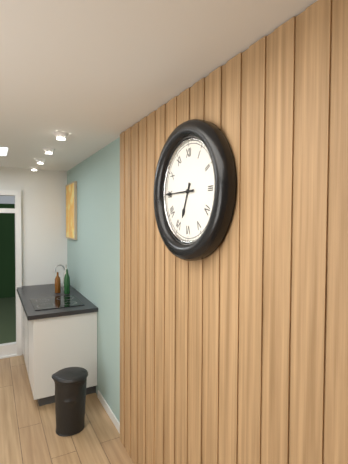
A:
h=6 m=45
